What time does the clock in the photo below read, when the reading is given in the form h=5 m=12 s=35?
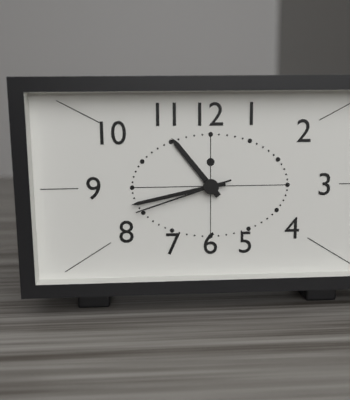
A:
h=10 m=43 s=42
